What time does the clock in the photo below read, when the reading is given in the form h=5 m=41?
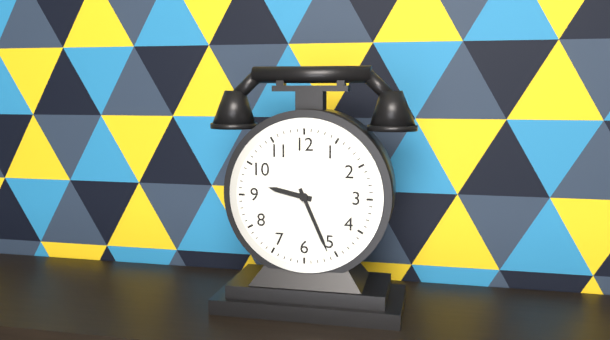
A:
h=9 m=26
